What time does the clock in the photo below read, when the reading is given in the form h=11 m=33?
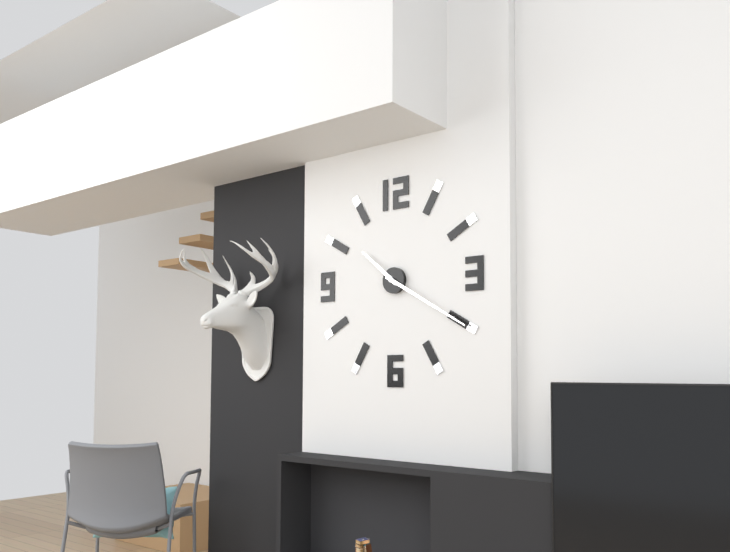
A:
h=10 m=20
